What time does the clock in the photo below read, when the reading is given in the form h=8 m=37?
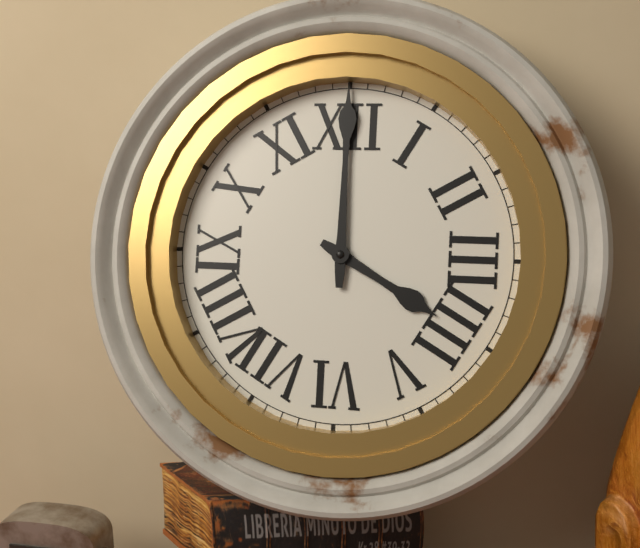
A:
h=4 m=0
